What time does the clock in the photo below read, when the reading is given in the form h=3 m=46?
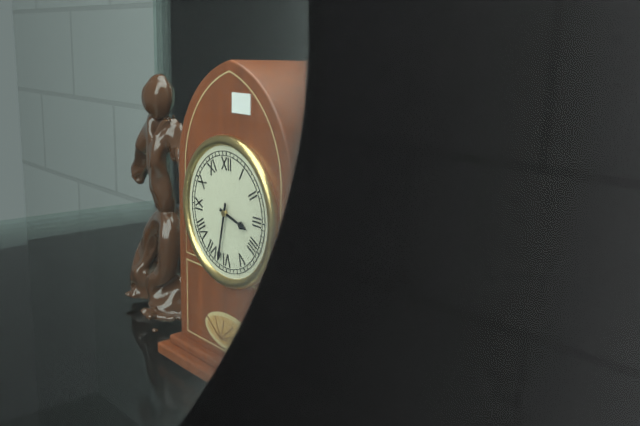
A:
h=3 m=32
